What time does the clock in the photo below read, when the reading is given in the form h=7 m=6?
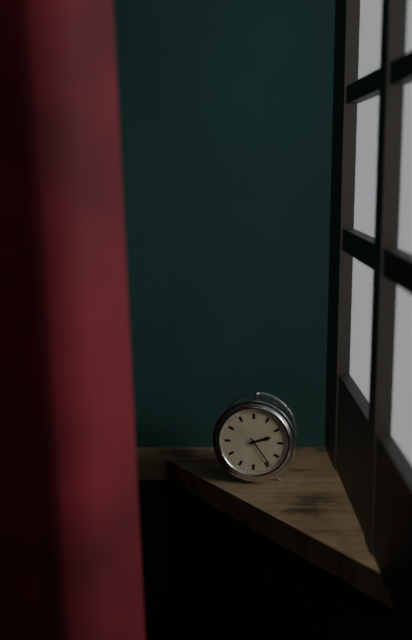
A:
h=2 m=24
